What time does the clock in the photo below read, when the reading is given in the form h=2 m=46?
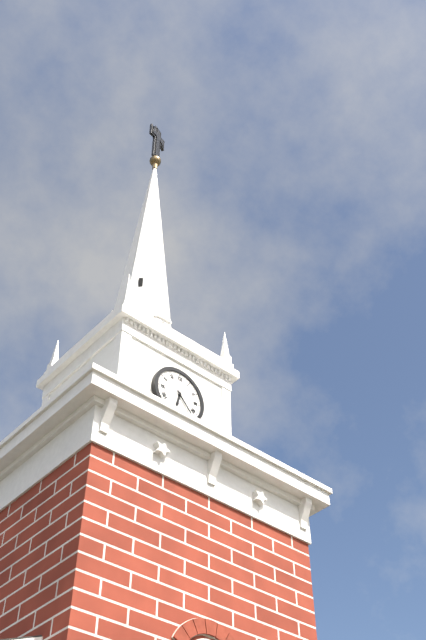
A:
h=6 m=23
